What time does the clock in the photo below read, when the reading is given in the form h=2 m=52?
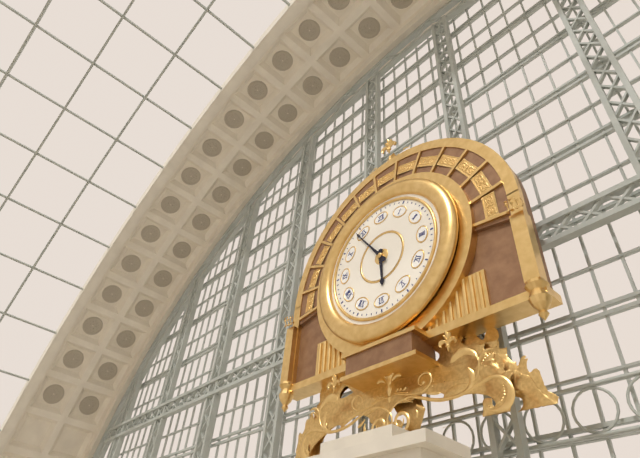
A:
h=5 m=54
